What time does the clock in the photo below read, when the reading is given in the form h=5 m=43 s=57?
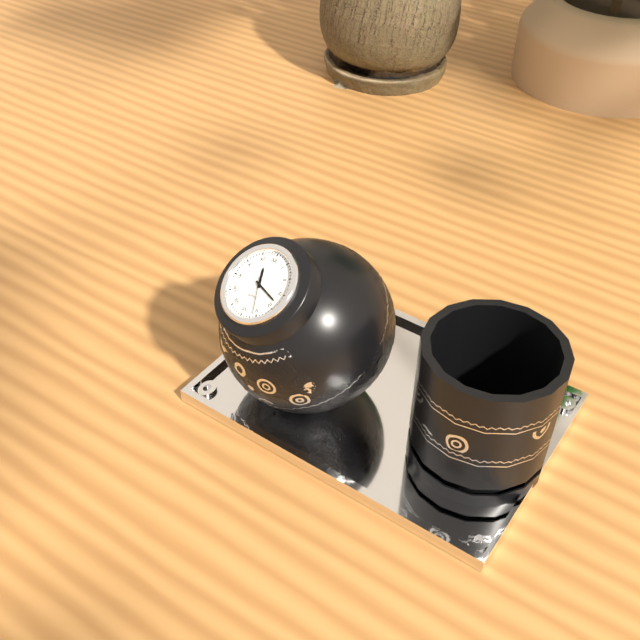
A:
h=11 m=18 s=26
